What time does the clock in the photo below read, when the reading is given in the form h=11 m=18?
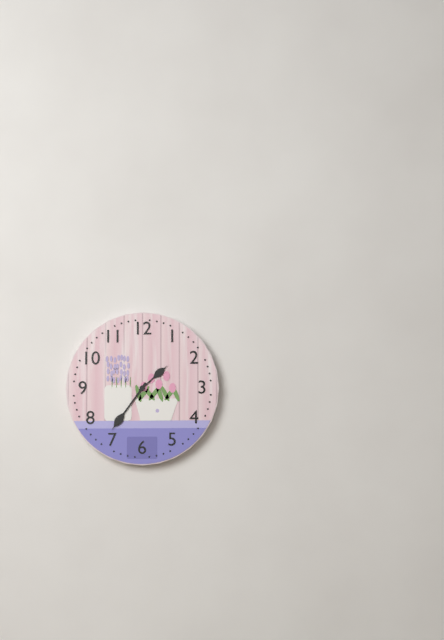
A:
h=1 m=36
